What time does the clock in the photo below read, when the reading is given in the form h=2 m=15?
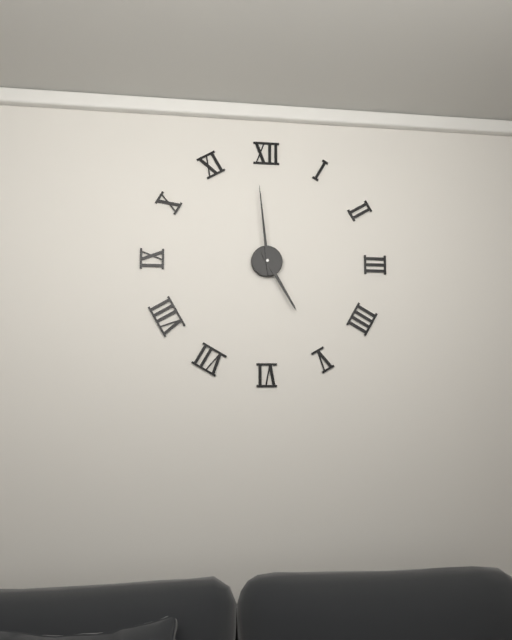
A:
h=4 m=59
